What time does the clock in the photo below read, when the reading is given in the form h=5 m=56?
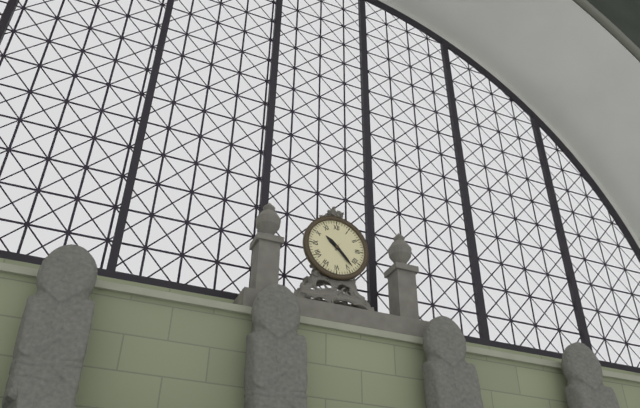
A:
h=10 m=23
